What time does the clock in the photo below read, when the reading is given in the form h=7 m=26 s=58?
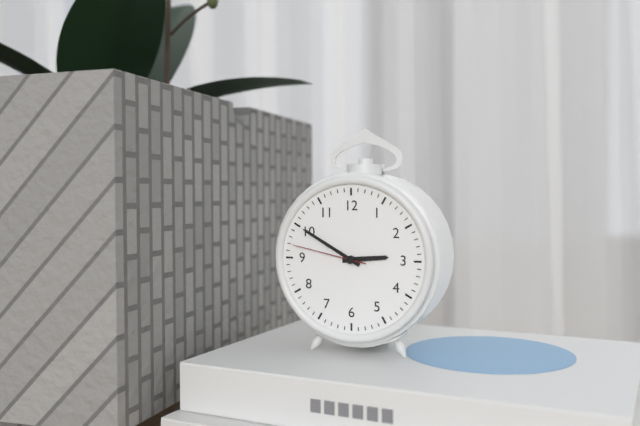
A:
h=2 m=50 s=47
